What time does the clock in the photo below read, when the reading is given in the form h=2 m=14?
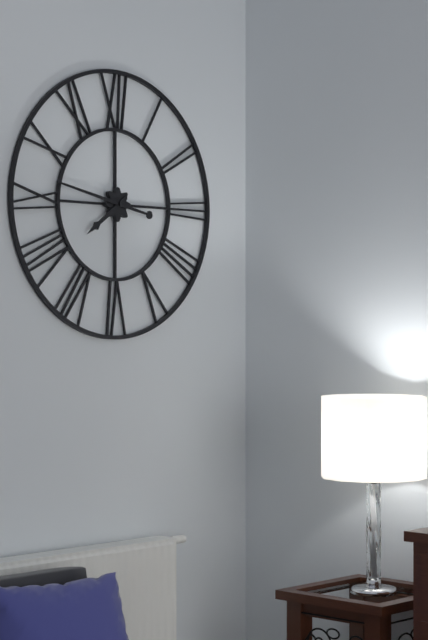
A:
h=7 m=47
